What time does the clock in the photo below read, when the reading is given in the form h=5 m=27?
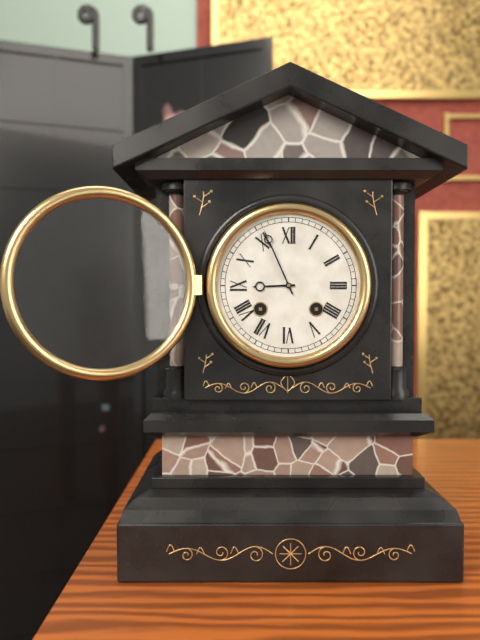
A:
h=8 m=56
